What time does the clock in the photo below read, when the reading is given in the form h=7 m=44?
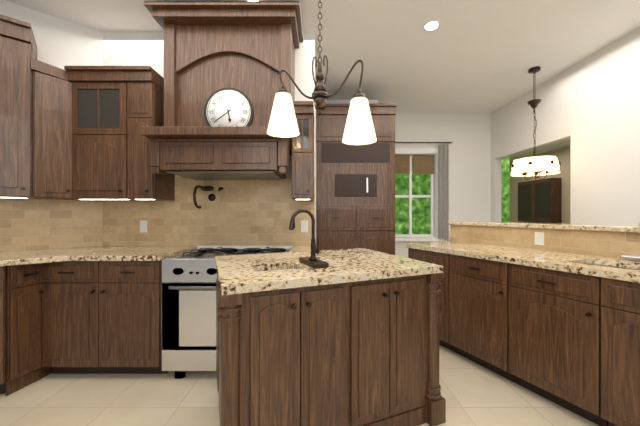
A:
h=5 m=39
